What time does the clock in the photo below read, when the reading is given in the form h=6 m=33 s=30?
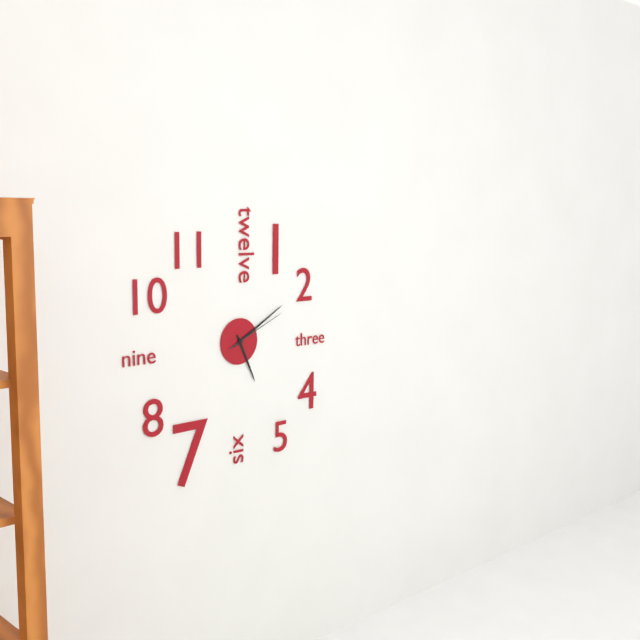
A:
h=5 m=10 s=11
